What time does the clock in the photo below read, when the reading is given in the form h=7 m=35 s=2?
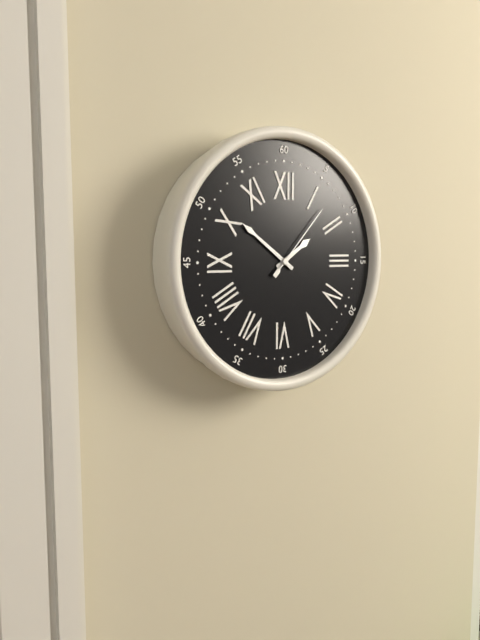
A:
h=1 m=51 s=7
